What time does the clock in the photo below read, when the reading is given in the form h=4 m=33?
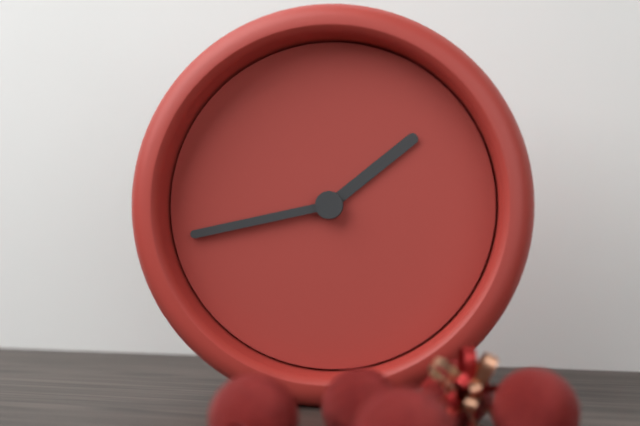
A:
h=1 m=43
